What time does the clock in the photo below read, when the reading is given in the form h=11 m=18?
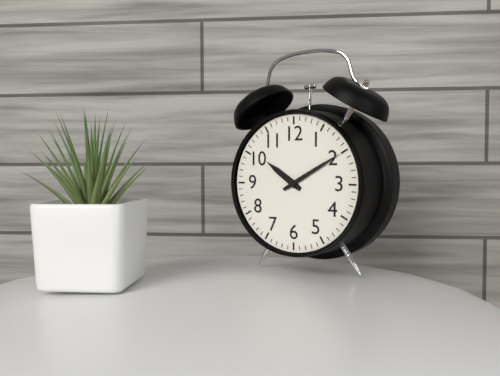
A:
h=10 m=10
